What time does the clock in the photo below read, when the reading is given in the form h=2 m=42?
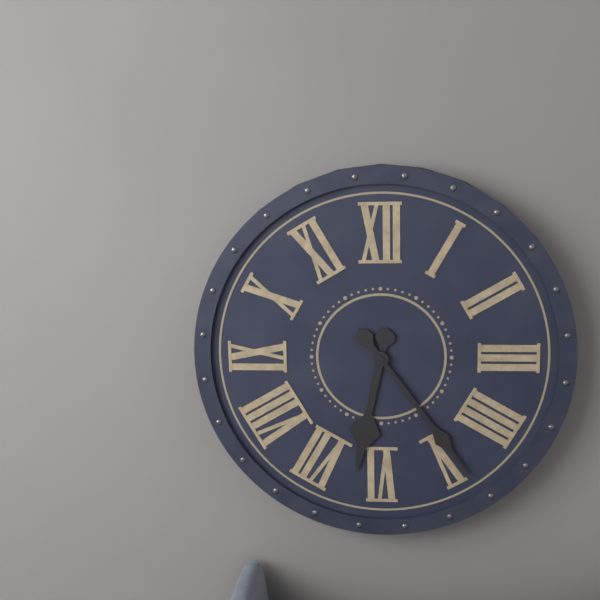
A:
h=6 m=24
